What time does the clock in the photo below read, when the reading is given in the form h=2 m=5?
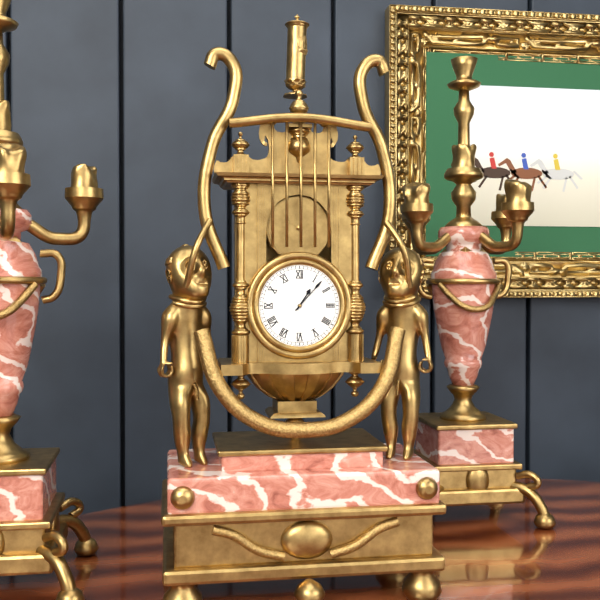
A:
h=1 m=7
